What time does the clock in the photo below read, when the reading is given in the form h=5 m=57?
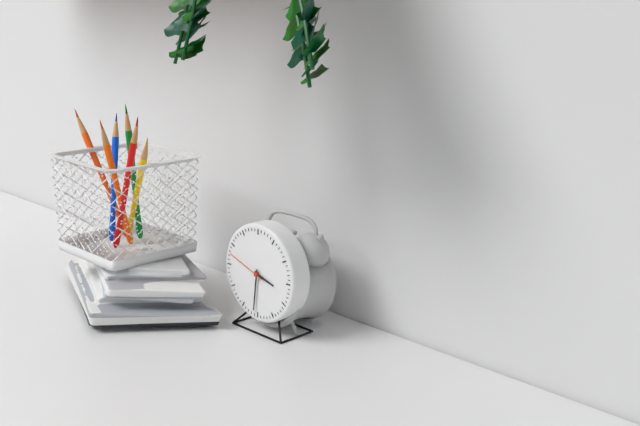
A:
h=3 m=31
